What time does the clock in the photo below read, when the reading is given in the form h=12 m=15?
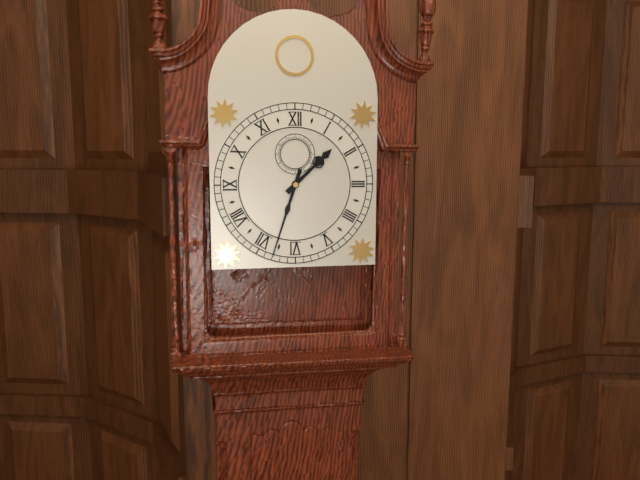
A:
h=1 m=33
